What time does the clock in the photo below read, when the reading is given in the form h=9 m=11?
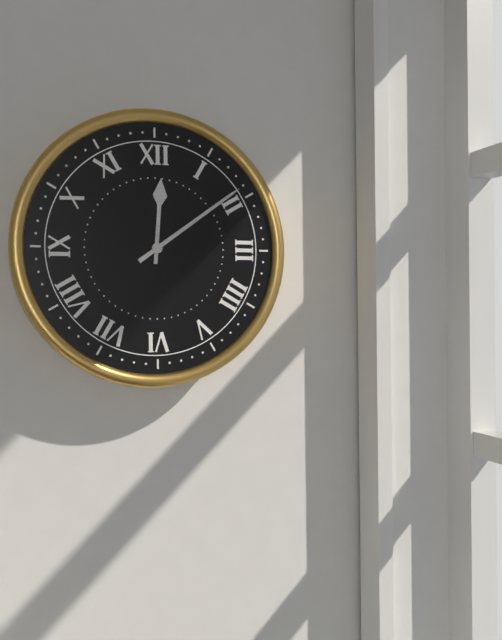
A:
h=12 m=9
